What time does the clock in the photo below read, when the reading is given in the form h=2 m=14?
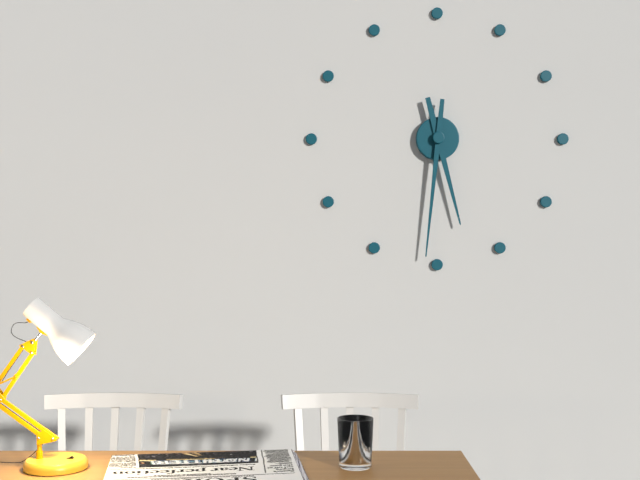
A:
h=5 m=31
